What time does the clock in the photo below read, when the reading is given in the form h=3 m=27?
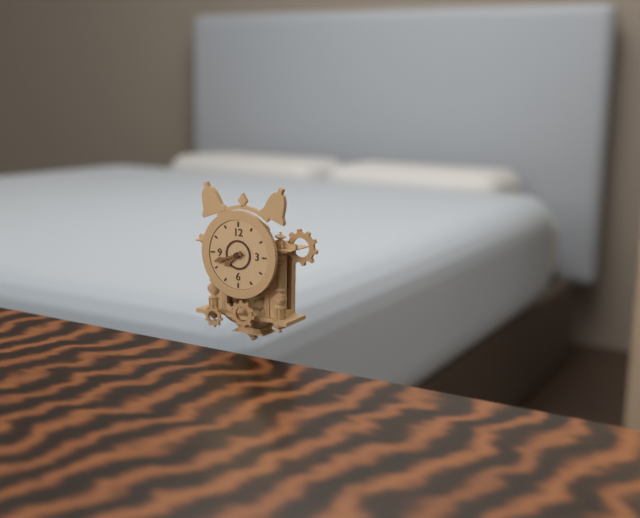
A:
h=7 m=42
